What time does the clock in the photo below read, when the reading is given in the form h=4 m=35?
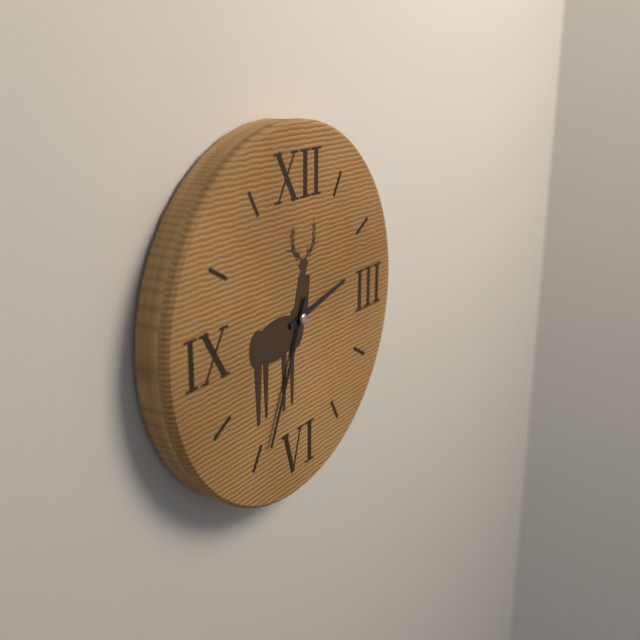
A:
h=2 m=34
